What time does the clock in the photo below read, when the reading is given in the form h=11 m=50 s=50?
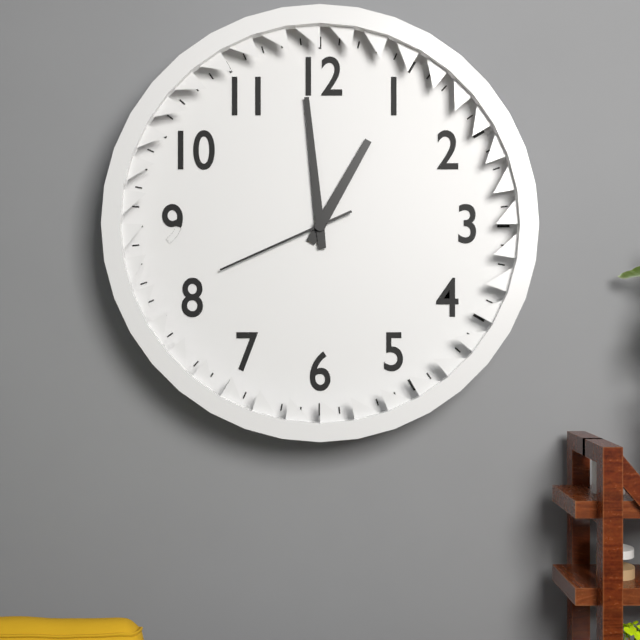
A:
h=12 m=59 s=41
